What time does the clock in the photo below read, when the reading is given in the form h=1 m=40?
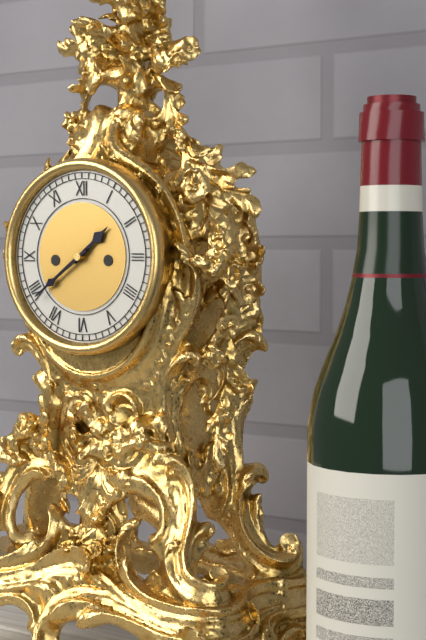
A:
h=1 m=39
